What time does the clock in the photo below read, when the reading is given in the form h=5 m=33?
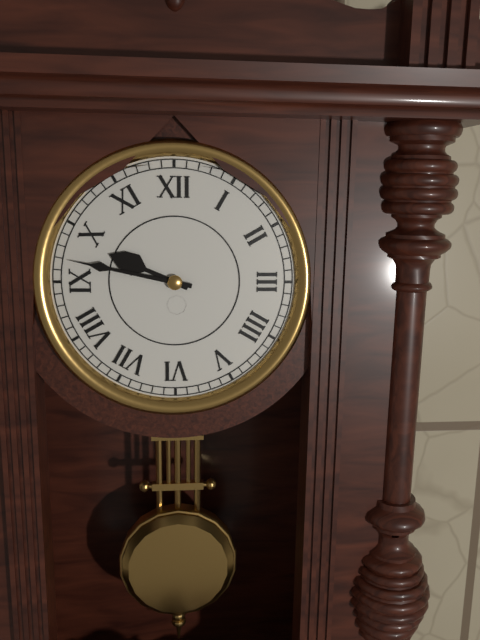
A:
h=9 m=47
